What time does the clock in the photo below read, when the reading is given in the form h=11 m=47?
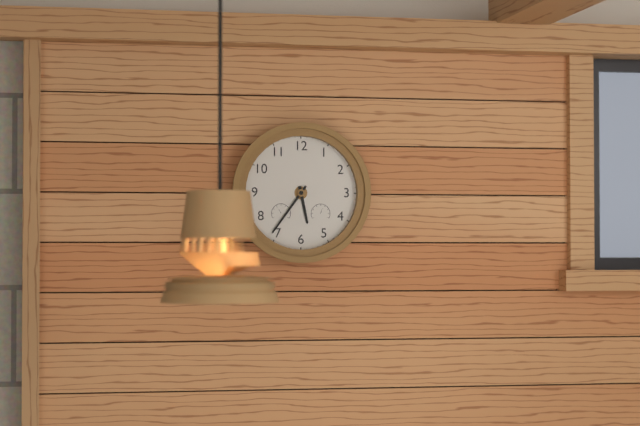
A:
h=5 m=36
